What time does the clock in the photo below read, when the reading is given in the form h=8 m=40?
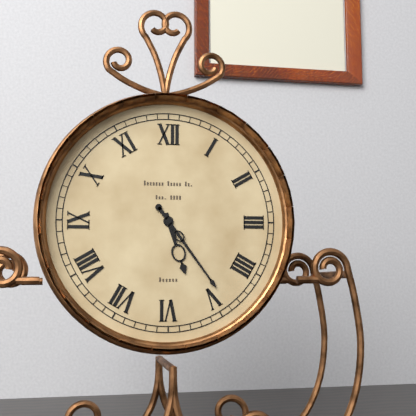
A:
h=5 m=24
